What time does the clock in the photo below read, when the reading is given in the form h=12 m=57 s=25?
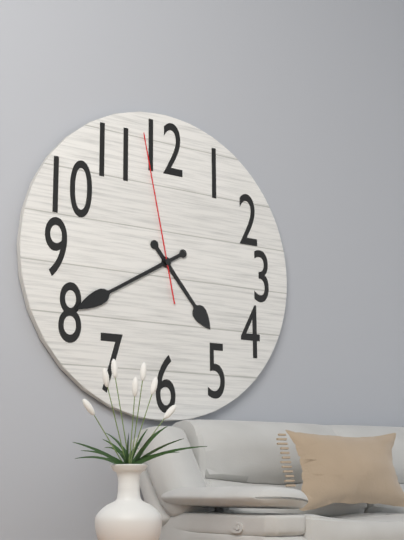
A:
h=4 m=40 s=58
